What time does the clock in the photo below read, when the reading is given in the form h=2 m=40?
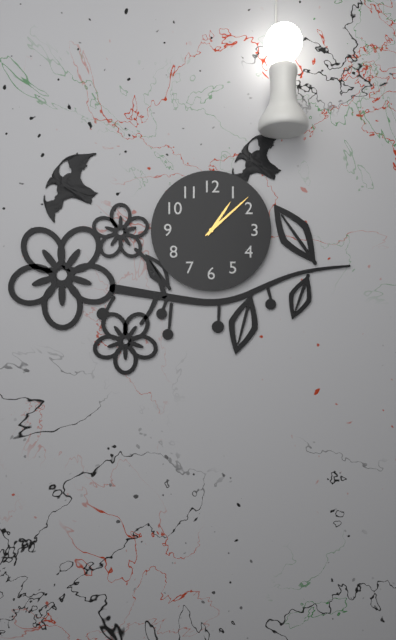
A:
h=1 m=8
